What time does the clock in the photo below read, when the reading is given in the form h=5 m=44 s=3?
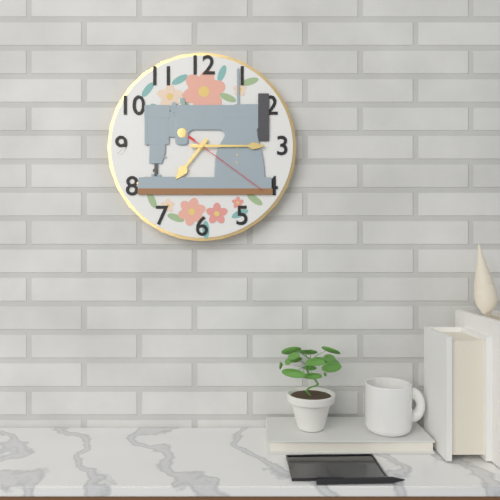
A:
h=7 m=15 s=21
